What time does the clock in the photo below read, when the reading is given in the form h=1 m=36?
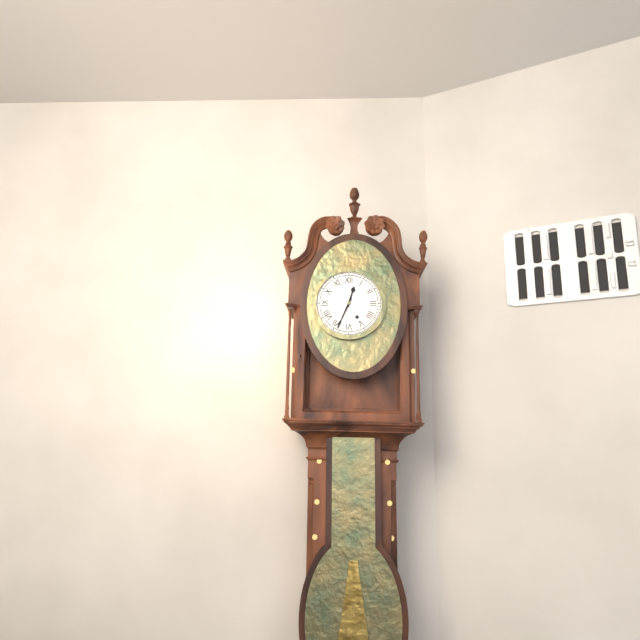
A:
h=12 m=34
